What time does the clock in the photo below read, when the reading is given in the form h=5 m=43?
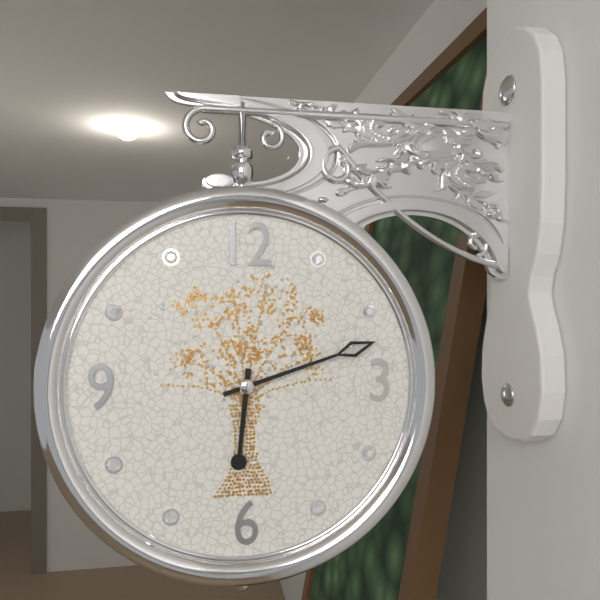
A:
h=6 m=12
